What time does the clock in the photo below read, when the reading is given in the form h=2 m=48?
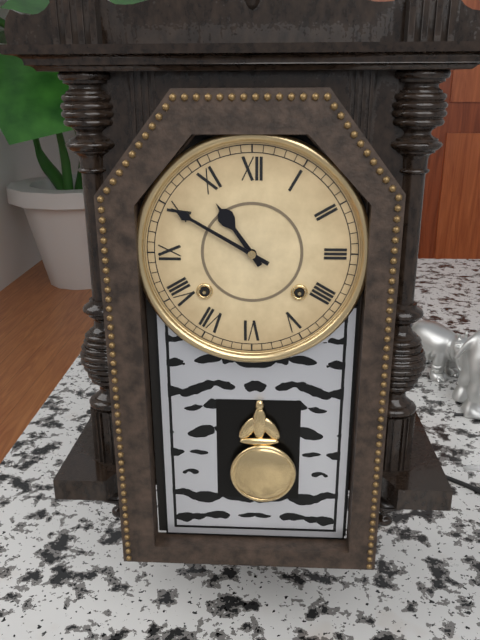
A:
h=10 m=50
